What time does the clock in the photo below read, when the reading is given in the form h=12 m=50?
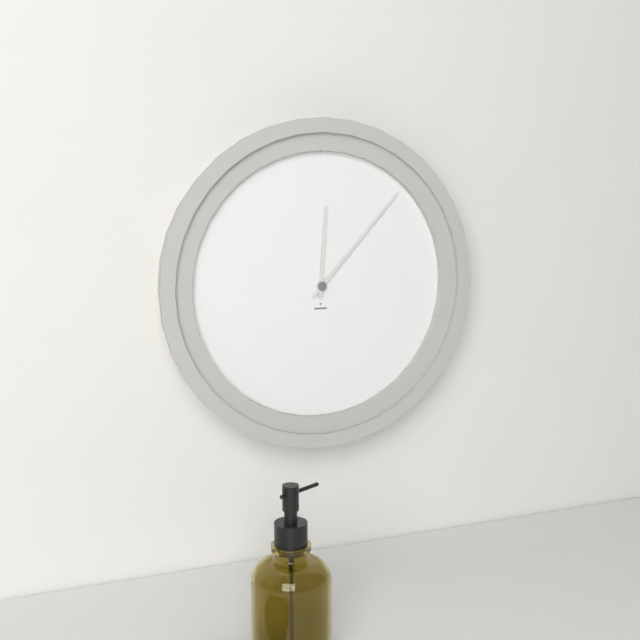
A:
h=12 m=7
